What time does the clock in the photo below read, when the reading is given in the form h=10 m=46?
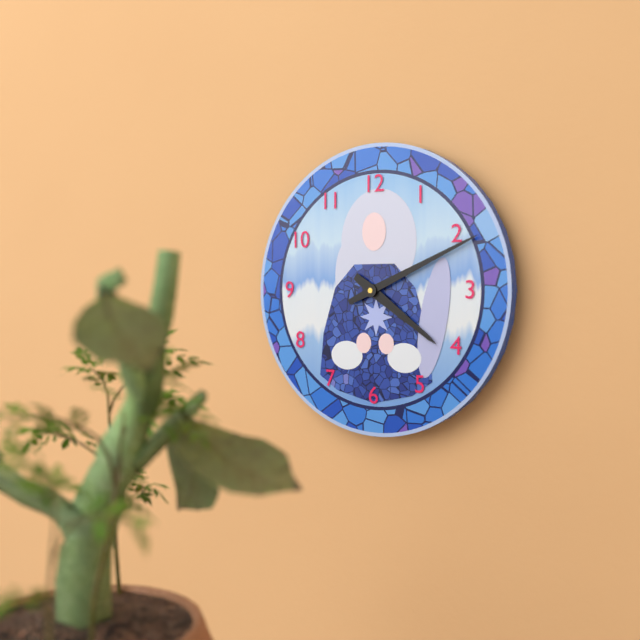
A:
h=4 m=11
